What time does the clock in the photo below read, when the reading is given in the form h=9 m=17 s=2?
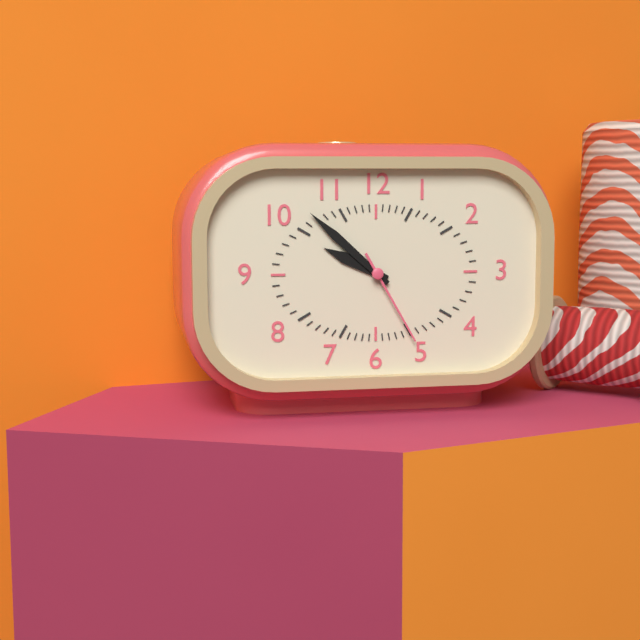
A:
h=9 m=52 s=25
